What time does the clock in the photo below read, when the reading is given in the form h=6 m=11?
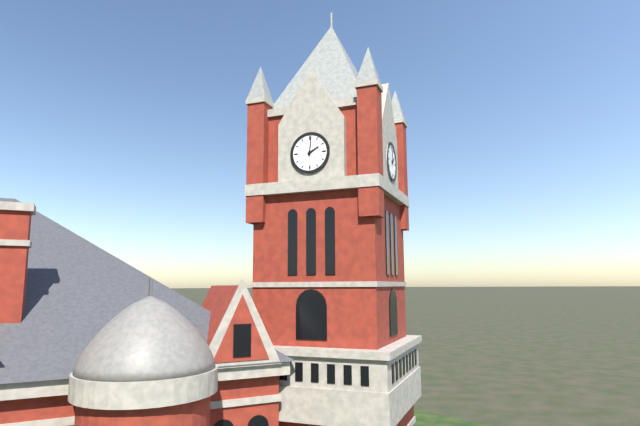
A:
h=2 m=1
